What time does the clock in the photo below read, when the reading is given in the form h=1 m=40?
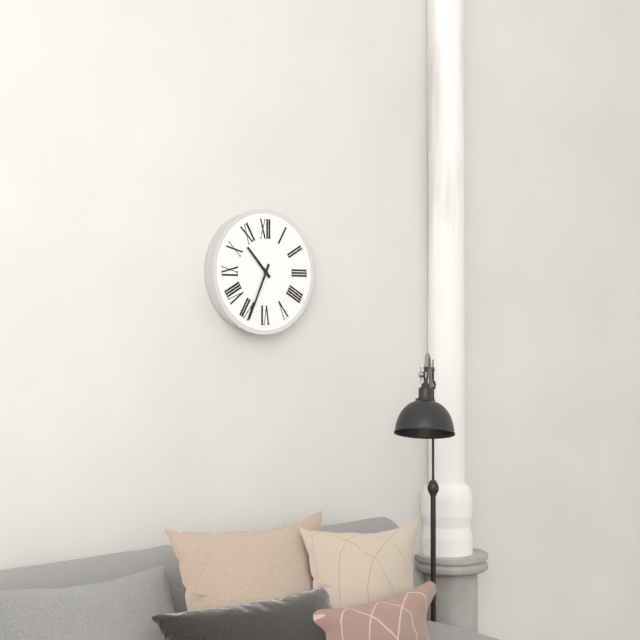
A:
h=10 m=34
